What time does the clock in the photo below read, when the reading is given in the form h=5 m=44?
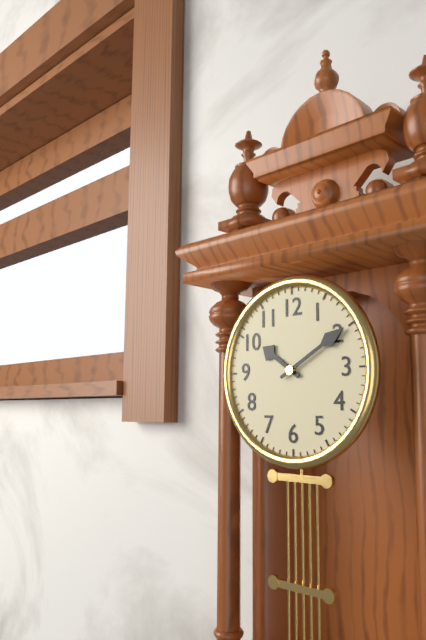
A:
h=10 m=10
